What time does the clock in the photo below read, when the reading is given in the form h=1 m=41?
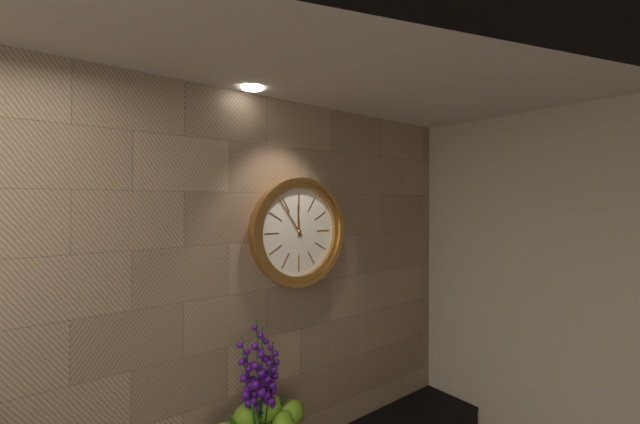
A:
h=11 m=54
